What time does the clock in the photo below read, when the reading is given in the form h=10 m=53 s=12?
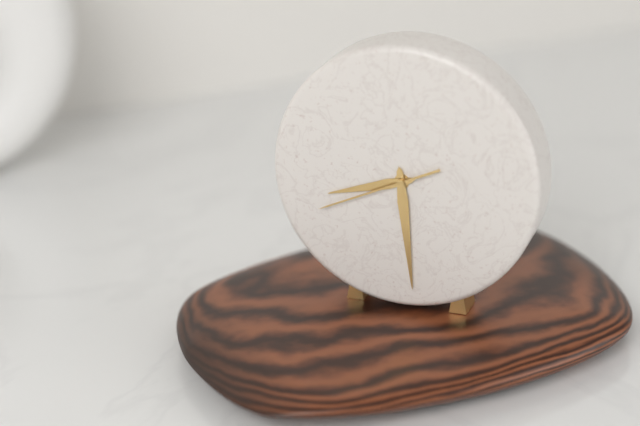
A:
h=8 m=29 s=41
